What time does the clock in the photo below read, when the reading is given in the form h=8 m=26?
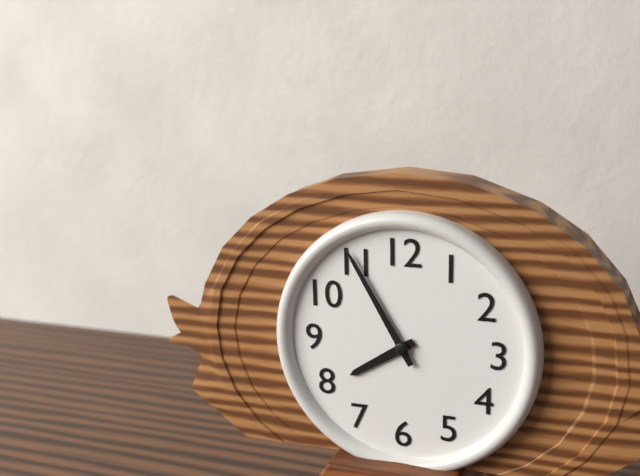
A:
h=7 m=55
